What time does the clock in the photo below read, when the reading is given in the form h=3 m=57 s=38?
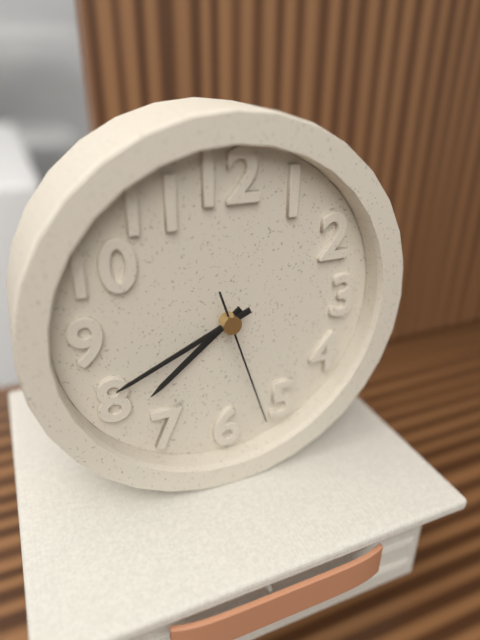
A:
h=7 m=41 s=27
